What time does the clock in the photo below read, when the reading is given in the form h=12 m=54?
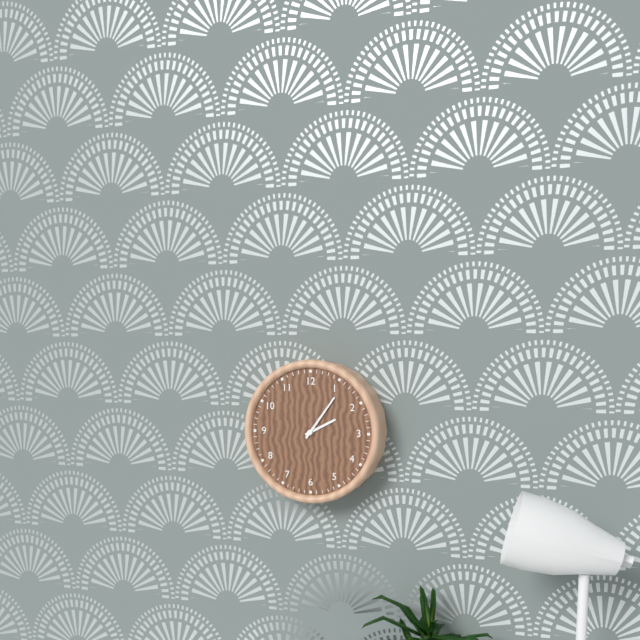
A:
h=2 m=6
